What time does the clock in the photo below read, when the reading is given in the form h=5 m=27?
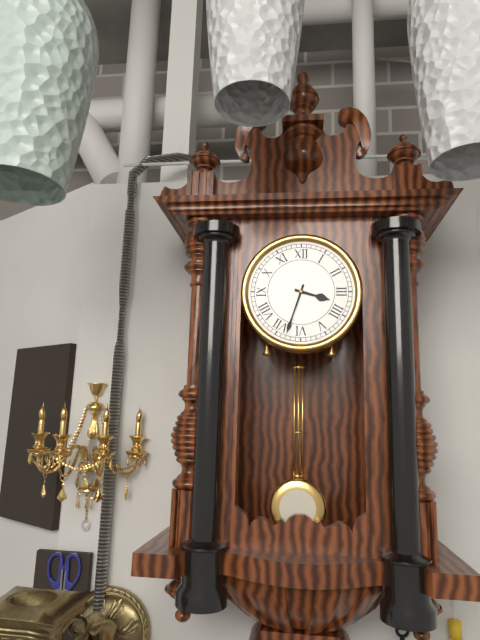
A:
h=3 m=33
